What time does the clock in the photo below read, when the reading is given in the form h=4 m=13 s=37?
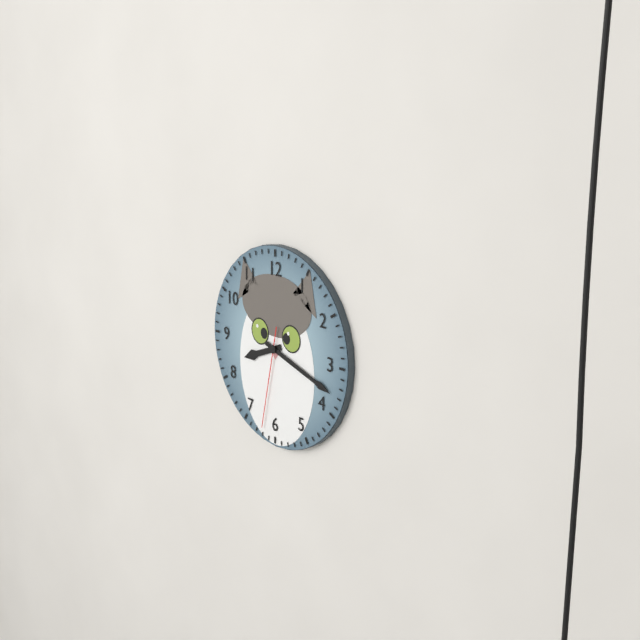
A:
h=8 m=18 s=32
